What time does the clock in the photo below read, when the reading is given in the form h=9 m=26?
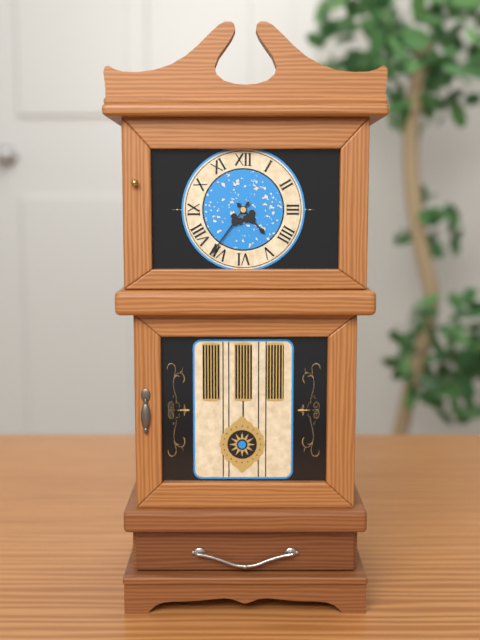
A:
h=4 m=36
